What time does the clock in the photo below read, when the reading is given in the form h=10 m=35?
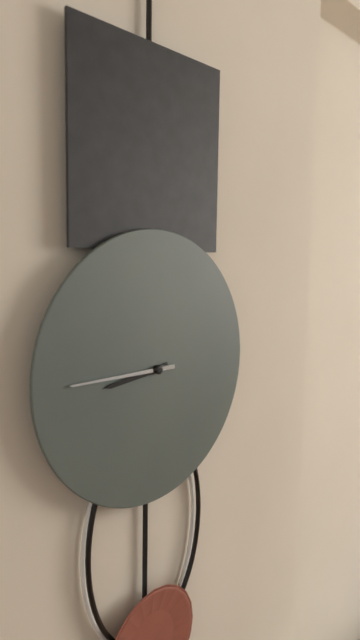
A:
h=8 m=45
